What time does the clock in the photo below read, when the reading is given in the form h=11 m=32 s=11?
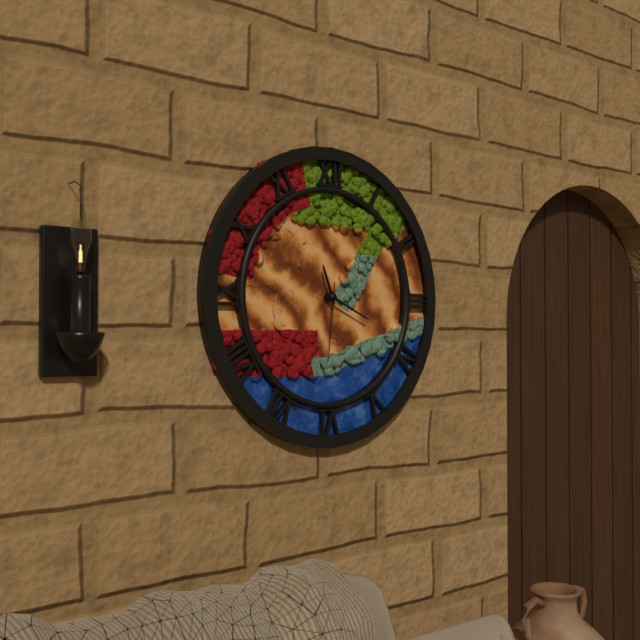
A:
h=11 m=19 s=31
